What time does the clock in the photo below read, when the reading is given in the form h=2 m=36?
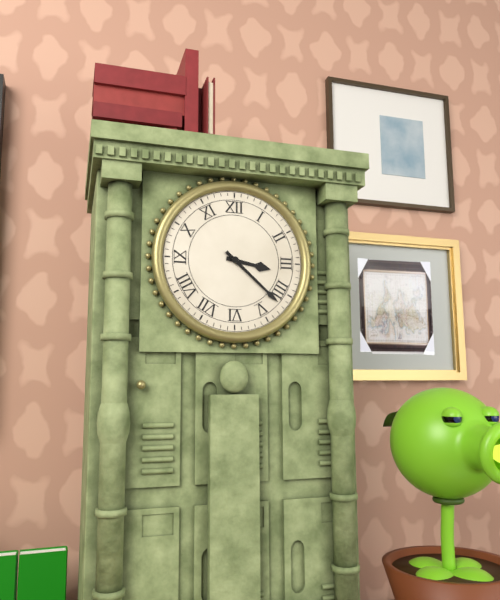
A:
h=3 m=22
